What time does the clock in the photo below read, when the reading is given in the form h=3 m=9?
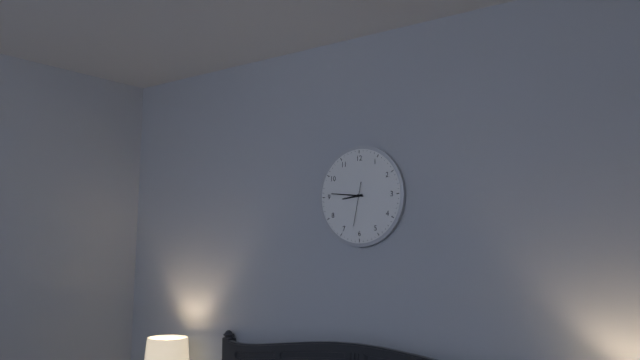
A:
h=8 m=46
